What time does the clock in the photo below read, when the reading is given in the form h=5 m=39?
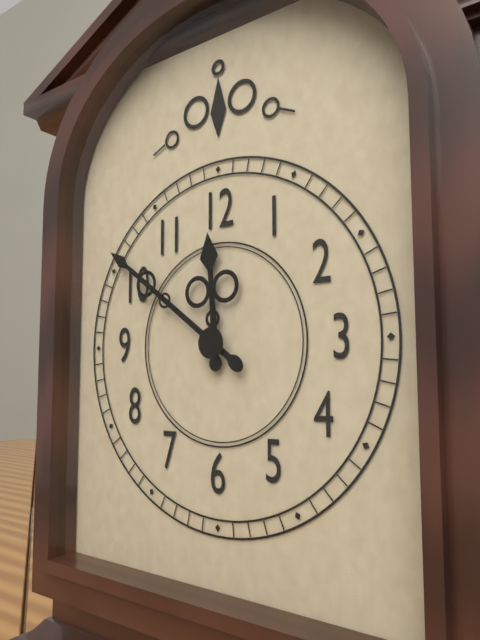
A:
h=11 m=51
